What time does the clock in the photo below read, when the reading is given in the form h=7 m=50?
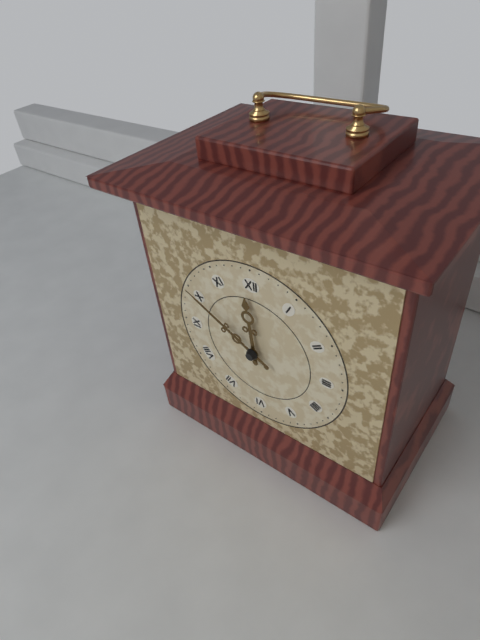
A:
h=11 m=50
